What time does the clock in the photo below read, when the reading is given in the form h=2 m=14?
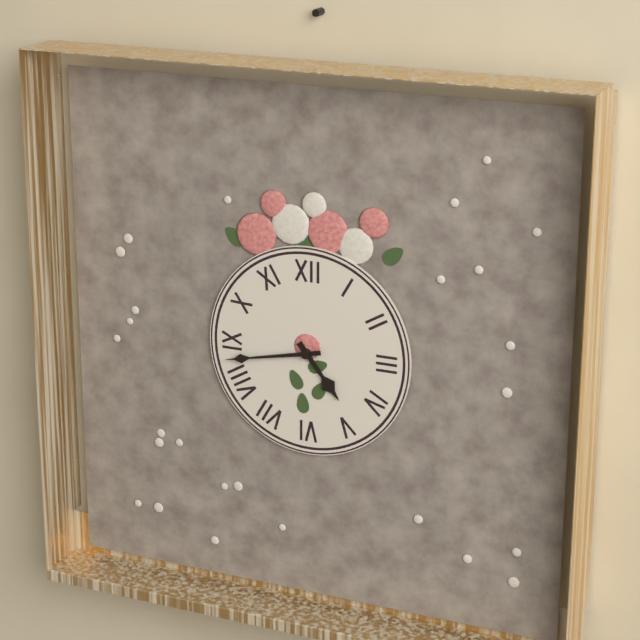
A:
h=4 m=43
